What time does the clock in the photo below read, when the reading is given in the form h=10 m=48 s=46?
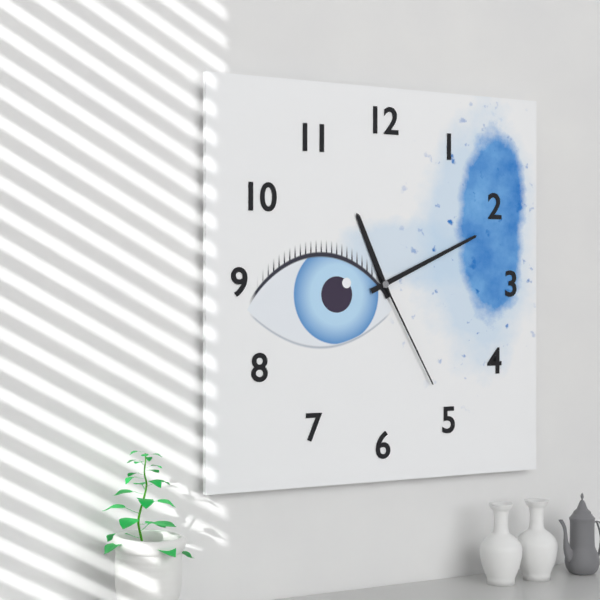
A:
h=11 m=11 s=25
